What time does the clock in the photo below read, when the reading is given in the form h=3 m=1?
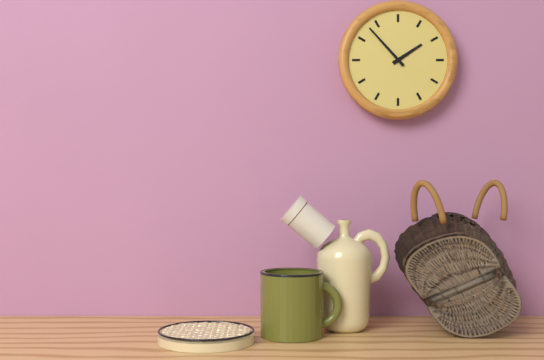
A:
h=1 m=53
